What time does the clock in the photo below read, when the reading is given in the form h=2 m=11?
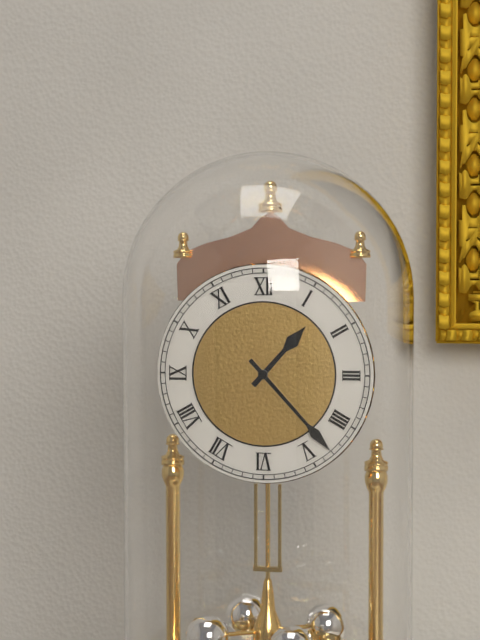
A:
h=1 m=23
